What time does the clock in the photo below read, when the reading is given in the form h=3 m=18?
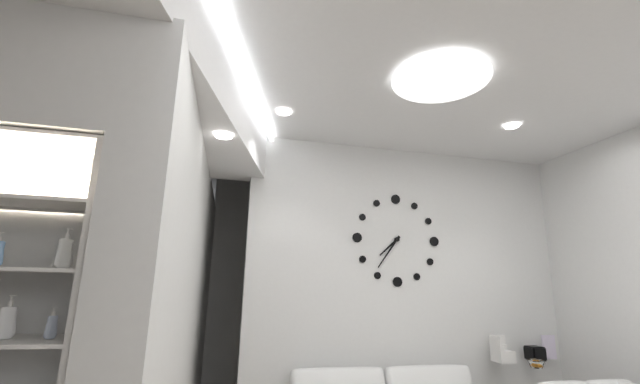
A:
h=7 m=36
